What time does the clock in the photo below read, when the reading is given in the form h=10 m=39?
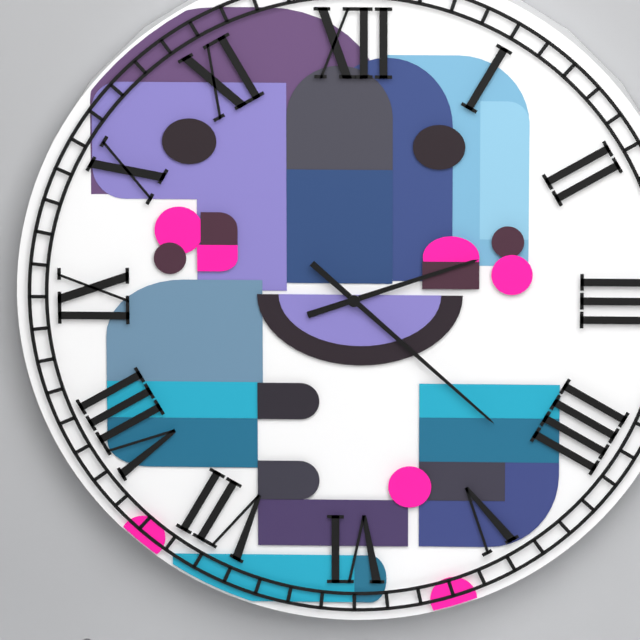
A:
h=2 m=22
